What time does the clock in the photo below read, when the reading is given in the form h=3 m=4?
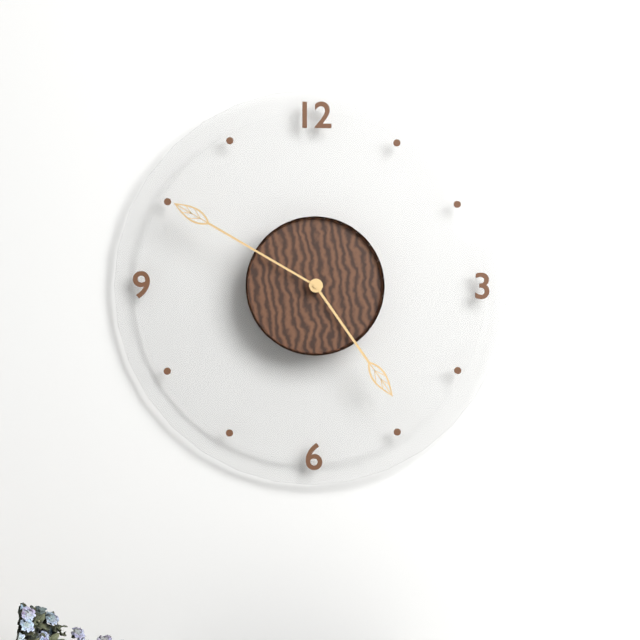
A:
h=4 m=50
